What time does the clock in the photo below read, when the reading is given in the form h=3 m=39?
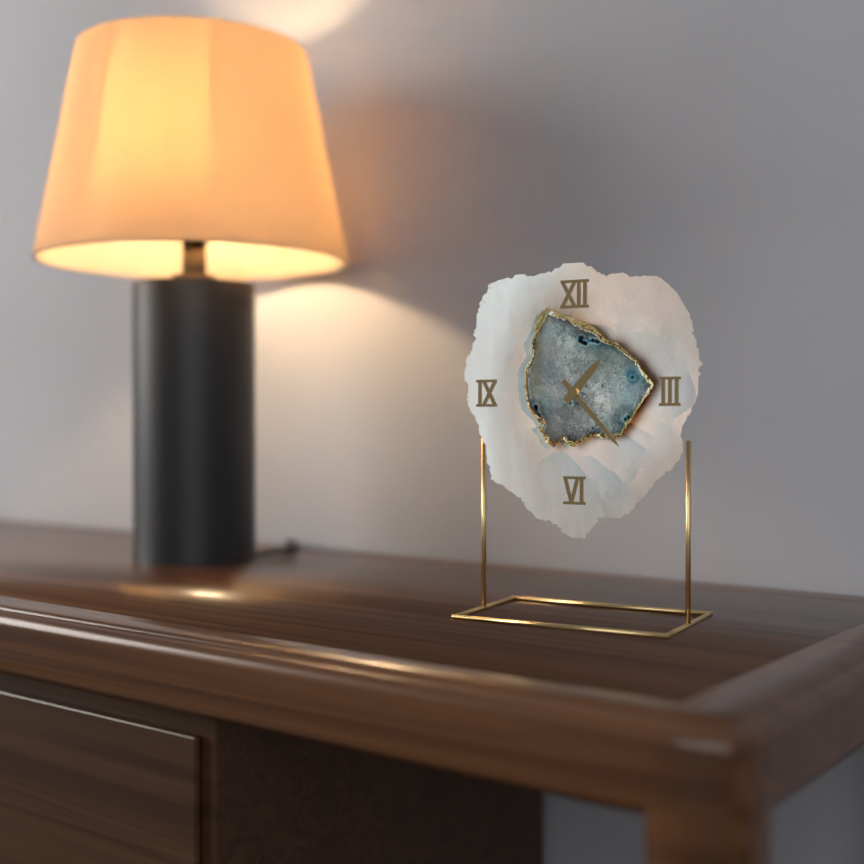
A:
h=1 m=23
